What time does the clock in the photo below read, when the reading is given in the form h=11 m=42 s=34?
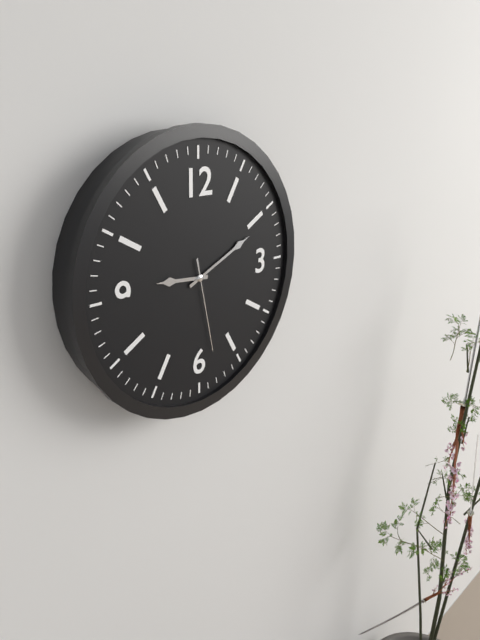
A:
h=9 m=11 s=28
